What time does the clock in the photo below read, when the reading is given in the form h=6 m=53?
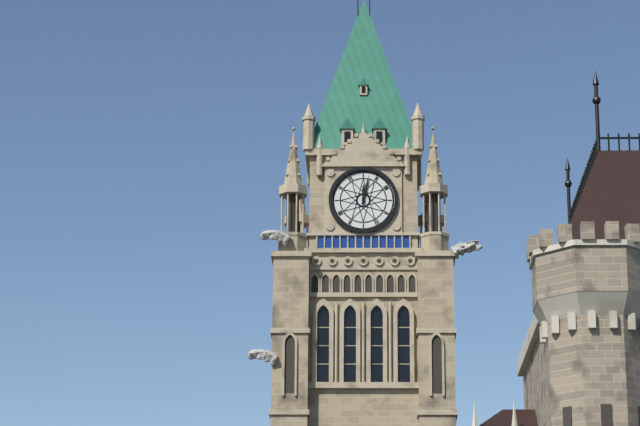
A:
h=12 m=2
